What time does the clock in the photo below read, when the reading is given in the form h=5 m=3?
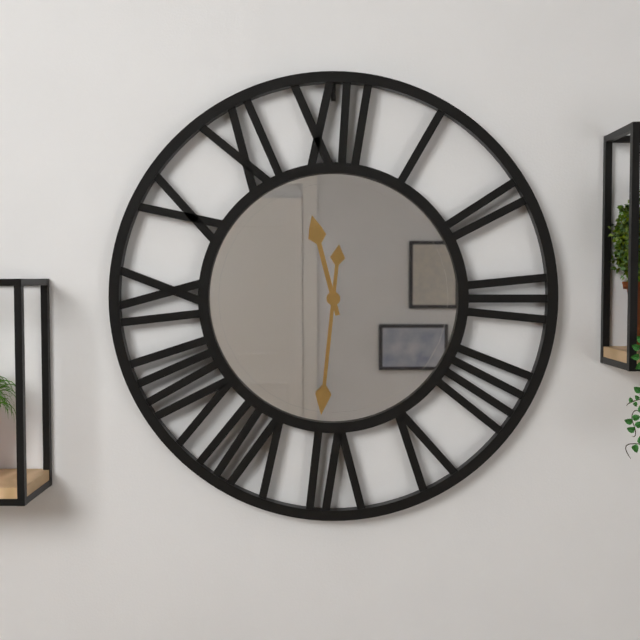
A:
h=11 m=31
